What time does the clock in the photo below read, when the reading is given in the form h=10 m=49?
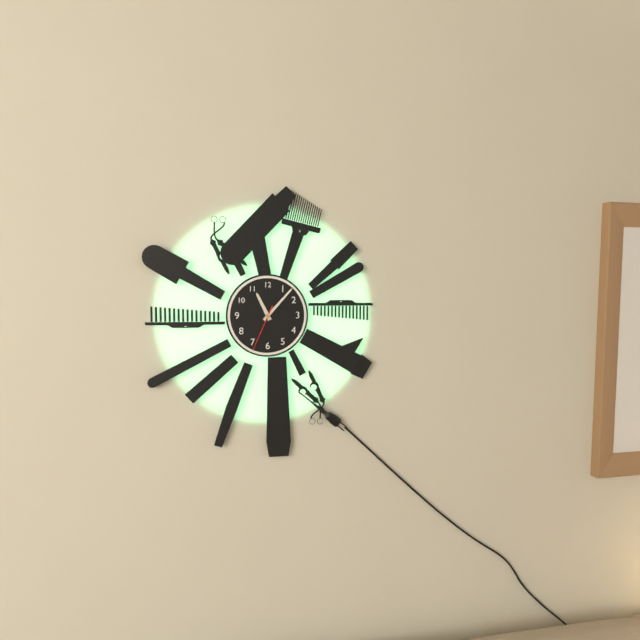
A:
h=11 m=7
